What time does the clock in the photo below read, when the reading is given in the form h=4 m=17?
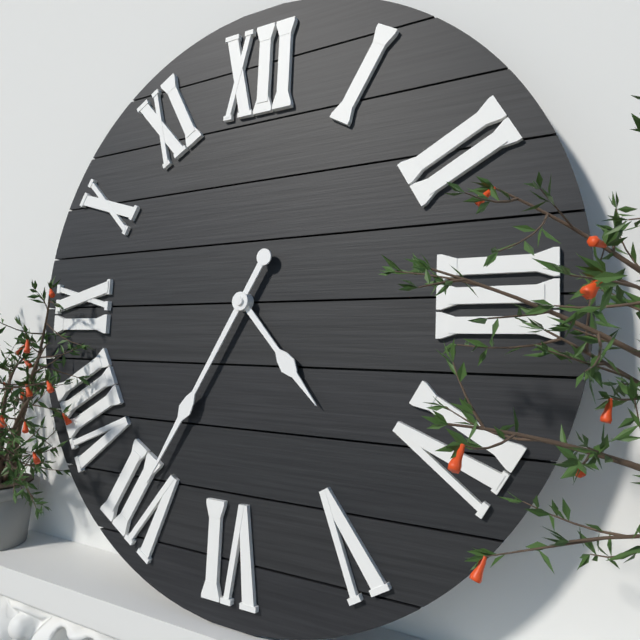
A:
h=4 m=35
